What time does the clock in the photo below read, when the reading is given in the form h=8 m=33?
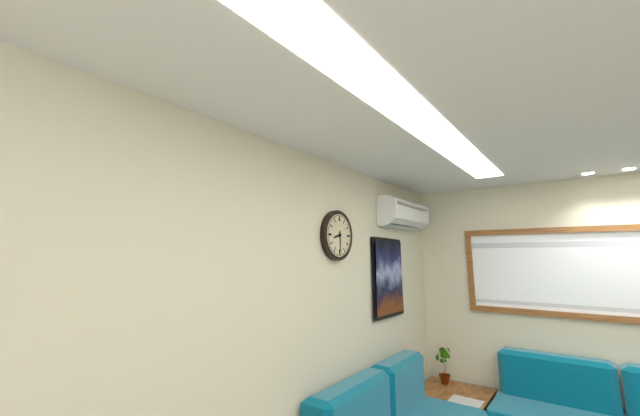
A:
h=8 m=29
